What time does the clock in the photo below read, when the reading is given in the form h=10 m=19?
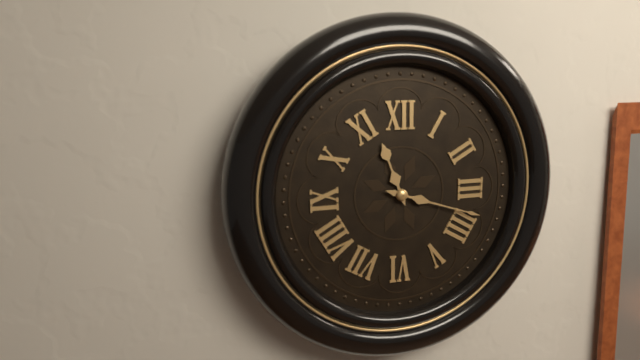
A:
h=11 m=18
